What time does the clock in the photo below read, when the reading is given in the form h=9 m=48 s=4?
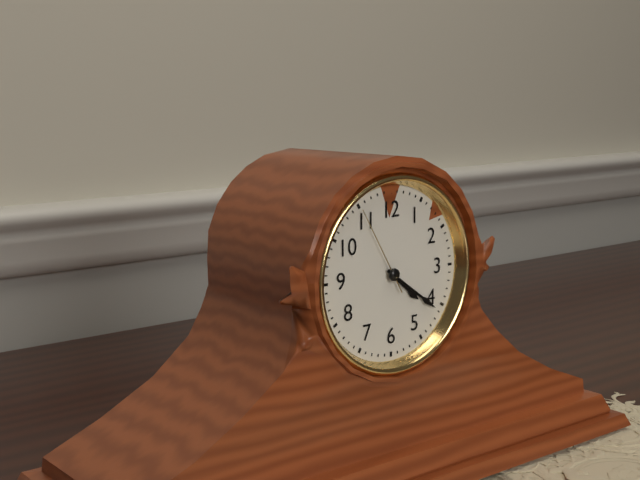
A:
h=4 m=21 s=55
